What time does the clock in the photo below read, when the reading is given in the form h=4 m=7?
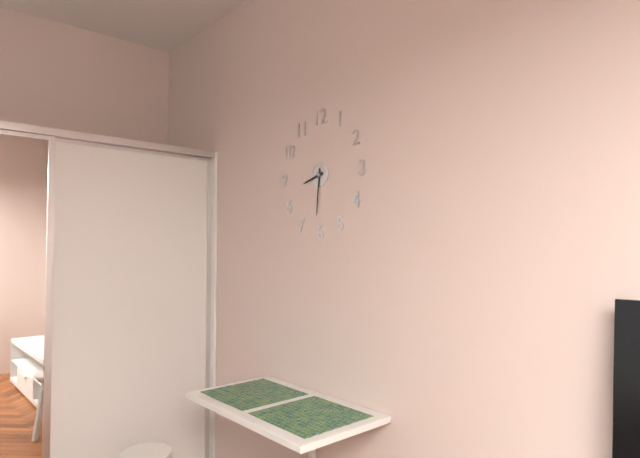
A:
h=8 m=31
